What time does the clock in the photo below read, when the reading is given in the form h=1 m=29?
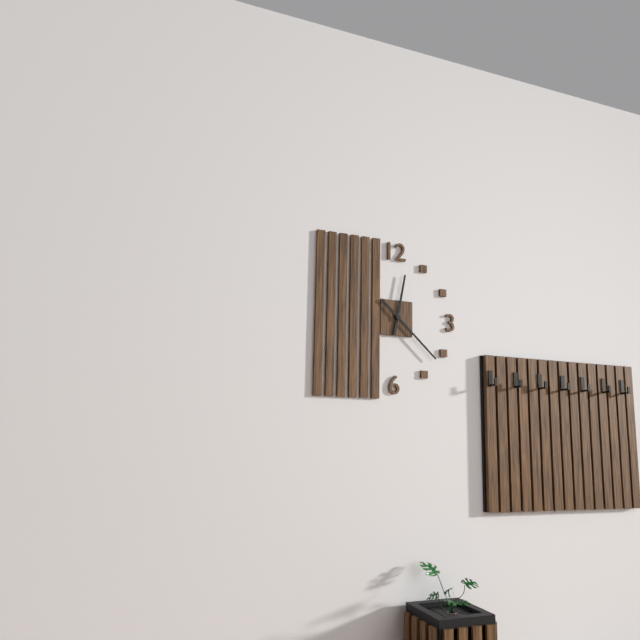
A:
h=12 m=22
